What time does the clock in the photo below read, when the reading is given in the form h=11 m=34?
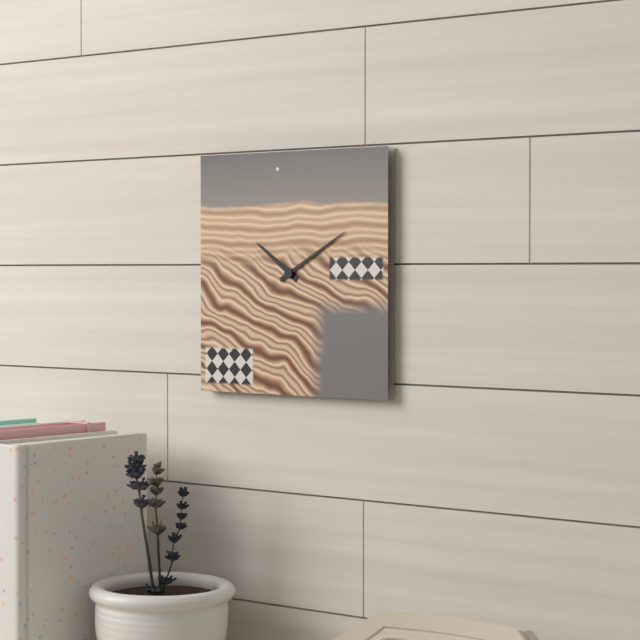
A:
h=10 m=10
